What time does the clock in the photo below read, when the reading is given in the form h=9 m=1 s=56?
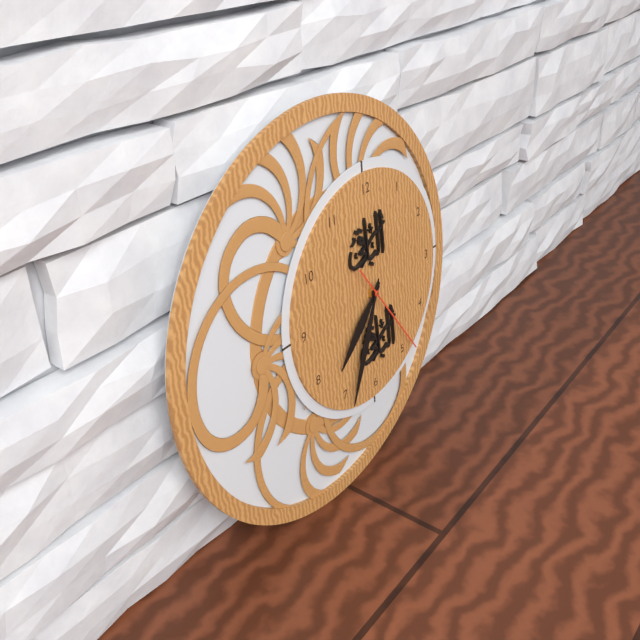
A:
h=7 m=34 s=24
